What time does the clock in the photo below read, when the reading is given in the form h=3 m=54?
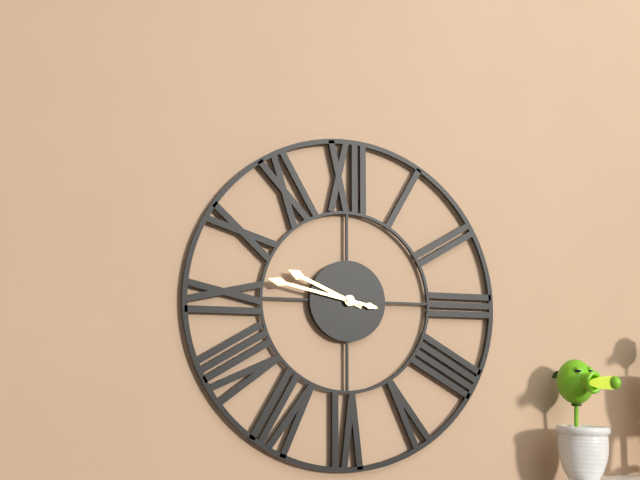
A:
h=9 m=47
